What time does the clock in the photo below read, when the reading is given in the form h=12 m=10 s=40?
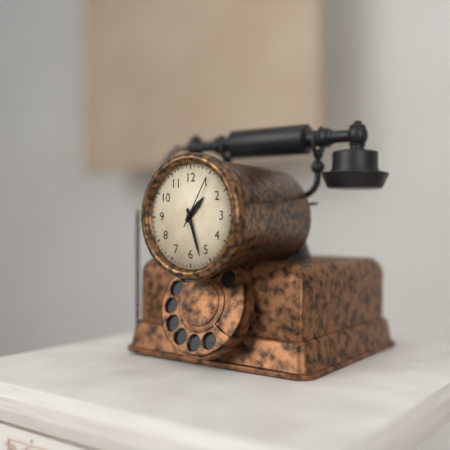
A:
h=1 m=27 s=5
